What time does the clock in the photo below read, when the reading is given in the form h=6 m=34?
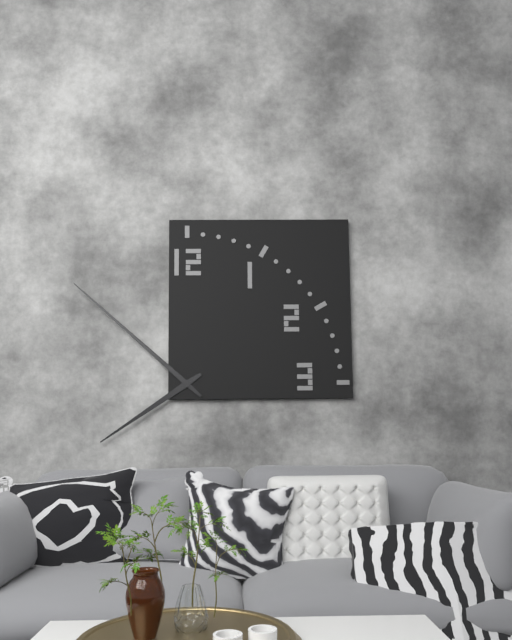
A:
h=7 m=52
